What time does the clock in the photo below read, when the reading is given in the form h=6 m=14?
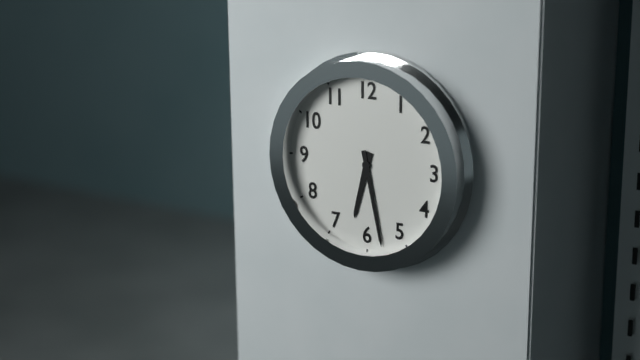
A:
h=6 m=28
